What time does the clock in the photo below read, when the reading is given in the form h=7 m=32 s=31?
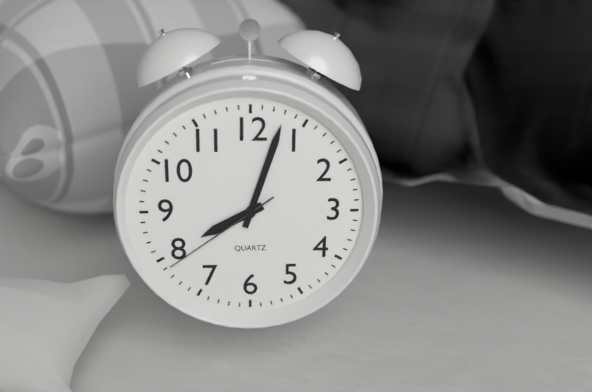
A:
h=8 m=3 s=39
